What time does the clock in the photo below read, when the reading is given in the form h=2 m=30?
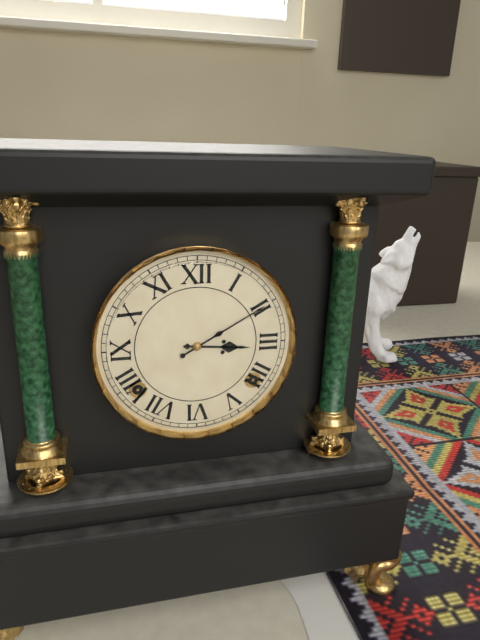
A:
h=3 m=10
